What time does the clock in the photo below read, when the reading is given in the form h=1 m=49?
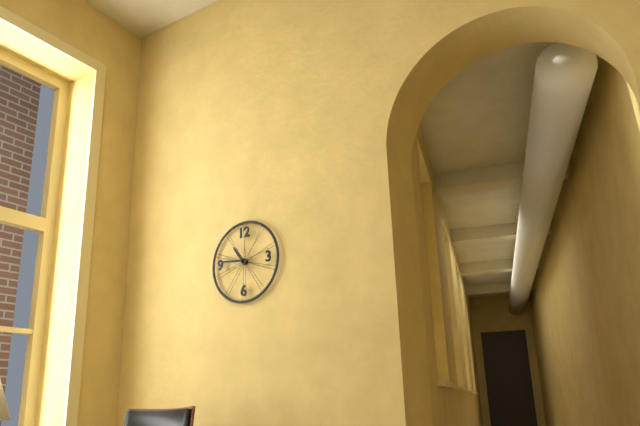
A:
h=10 m=46
